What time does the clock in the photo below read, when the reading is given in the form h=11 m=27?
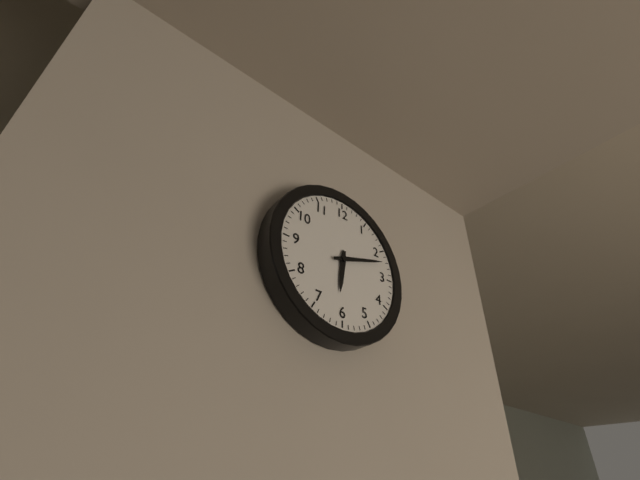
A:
h=6 m=12
